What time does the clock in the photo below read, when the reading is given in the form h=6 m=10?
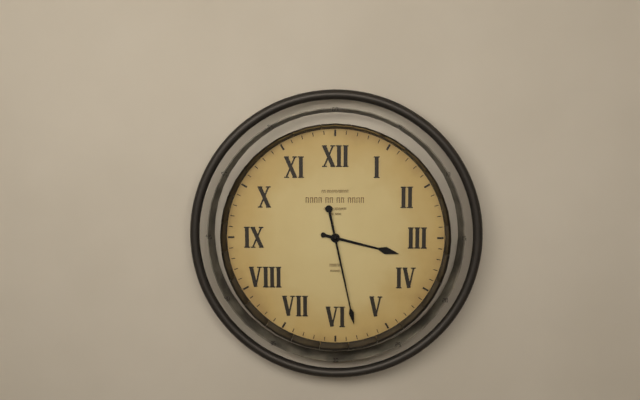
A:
h=3 m=28
